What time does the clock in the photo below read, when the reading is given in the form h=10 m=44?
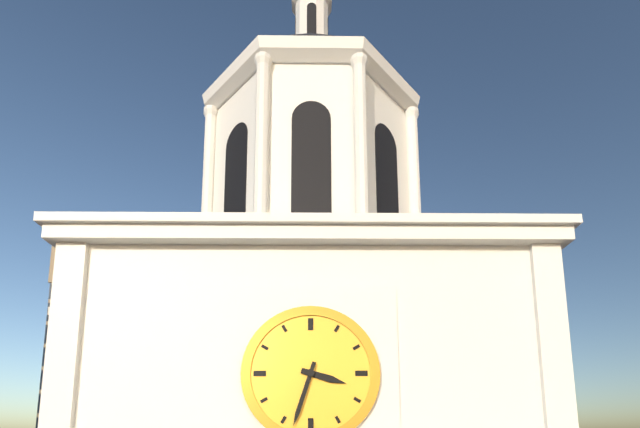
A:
h=3 m=33
